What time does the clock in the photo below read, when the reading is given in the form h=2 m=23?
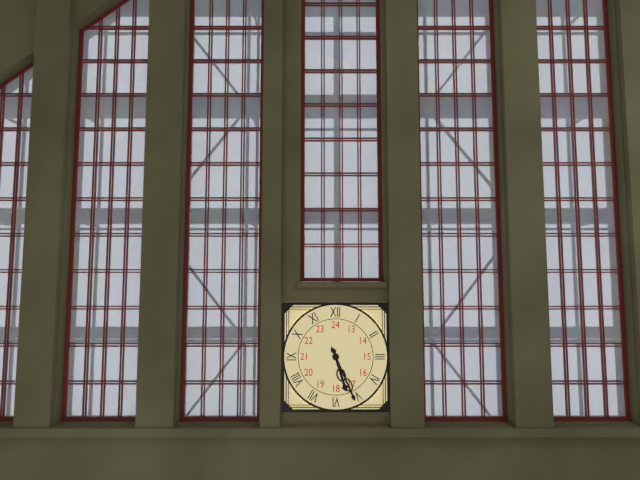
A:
h=5 m=26
